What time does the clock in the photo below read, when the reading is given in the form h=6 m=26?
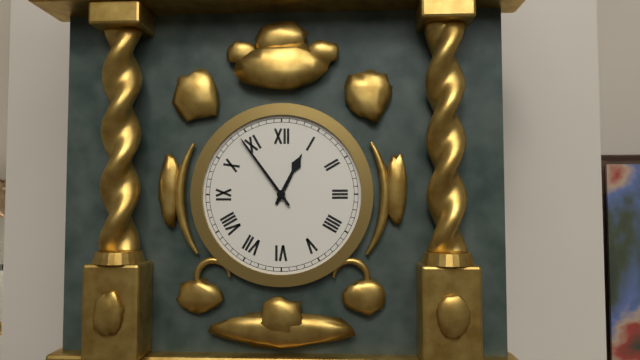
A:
h=12 m=54
